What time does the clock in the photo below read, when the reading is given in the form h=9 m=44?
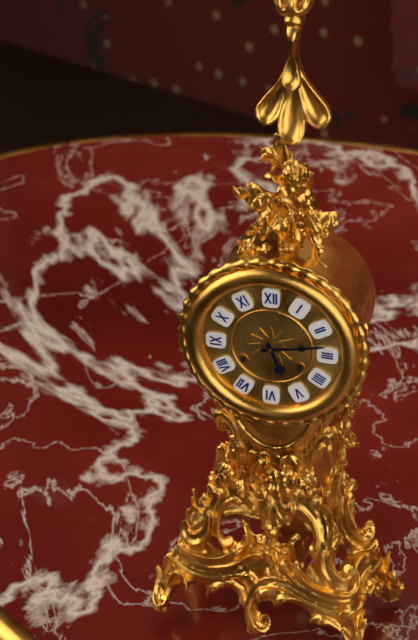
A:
h=5 m=13
